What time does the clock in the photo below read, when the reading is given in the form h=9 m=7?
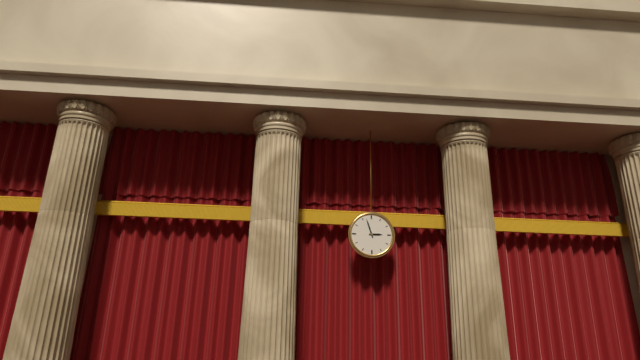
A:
h=2 m=57
